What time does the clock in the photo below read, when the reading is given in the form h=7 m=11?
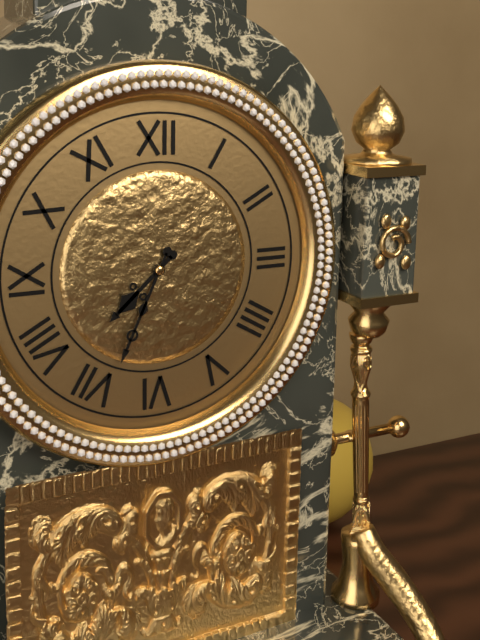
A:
h=7 m=34
